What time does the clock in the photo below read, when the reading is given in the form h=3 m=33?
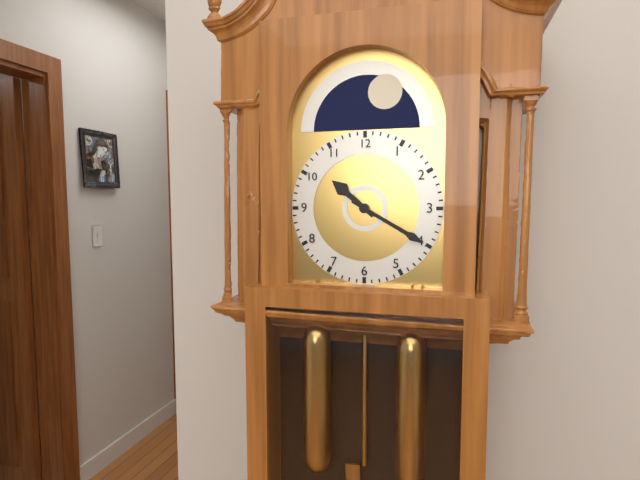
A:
h=10 m=20
